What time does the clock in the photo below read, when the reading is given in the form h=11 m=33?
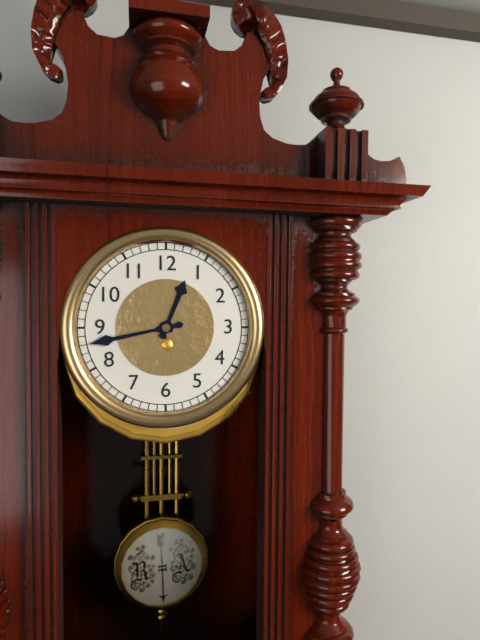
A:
h=12 m=43
